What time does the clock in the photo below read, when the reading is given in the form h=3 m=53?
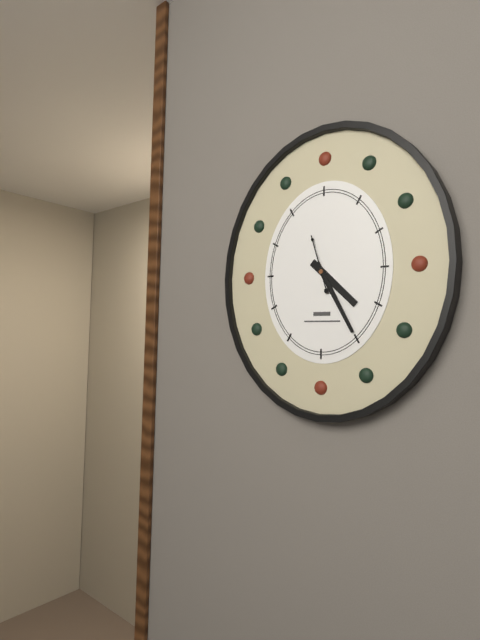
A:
h=4 m=25
